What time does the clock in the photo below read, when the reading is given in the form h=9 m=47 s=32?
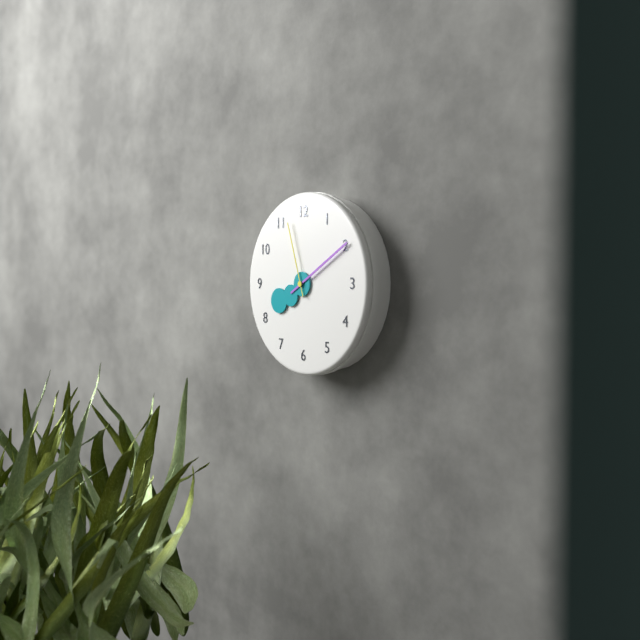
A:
h=8 m=10 s=57
